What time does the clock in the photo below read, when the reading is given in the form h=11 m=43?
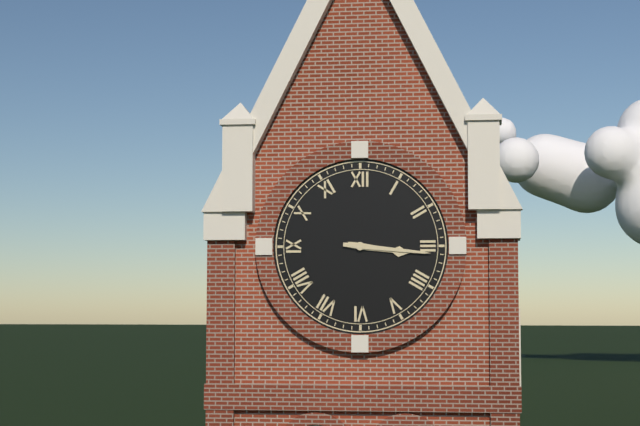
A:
h=3 m=16
